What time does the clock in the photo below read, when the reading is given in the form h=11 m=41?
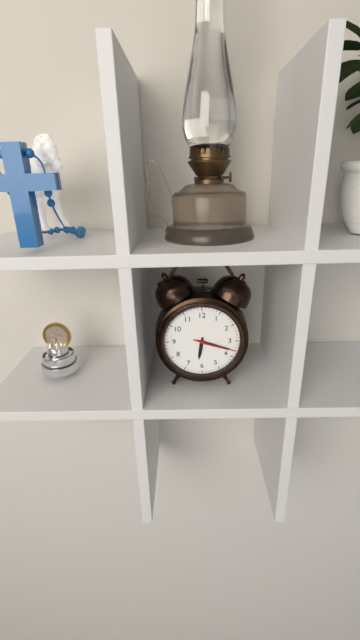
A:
h=6 m=18
